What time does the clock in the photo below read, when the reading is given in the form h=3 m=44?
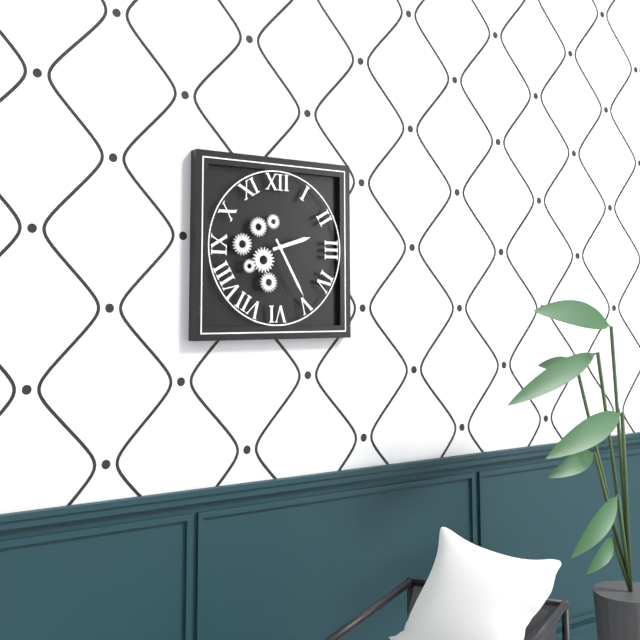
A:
h=2 m=25
